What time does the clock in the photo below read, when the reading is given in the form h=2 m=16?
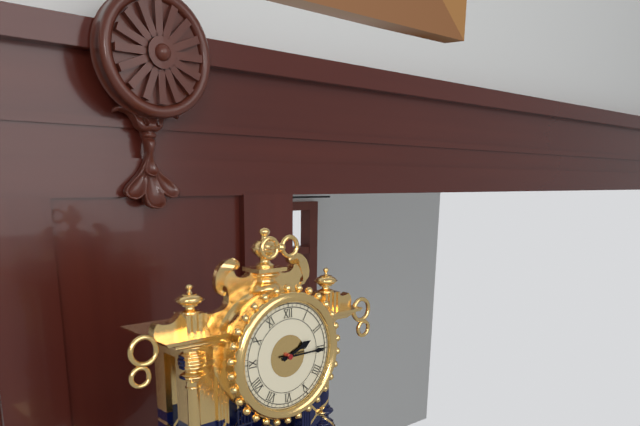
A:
h=2 m=15
